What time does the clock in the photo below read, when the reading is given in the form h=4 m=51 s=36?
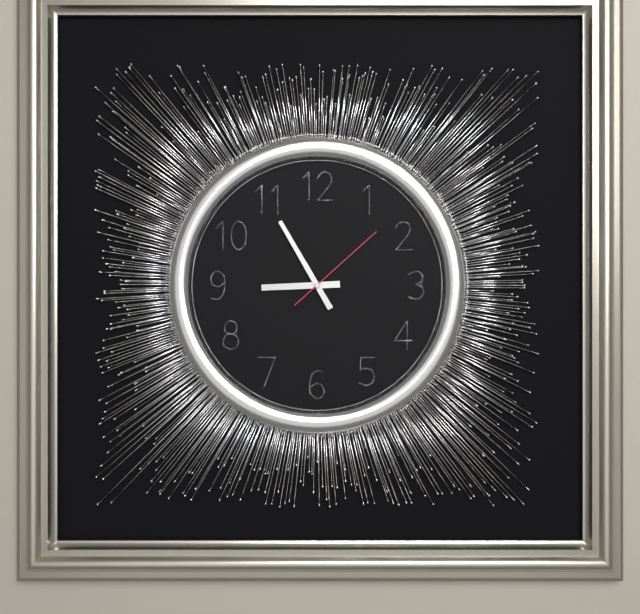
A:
h=8 m=55 s=8
